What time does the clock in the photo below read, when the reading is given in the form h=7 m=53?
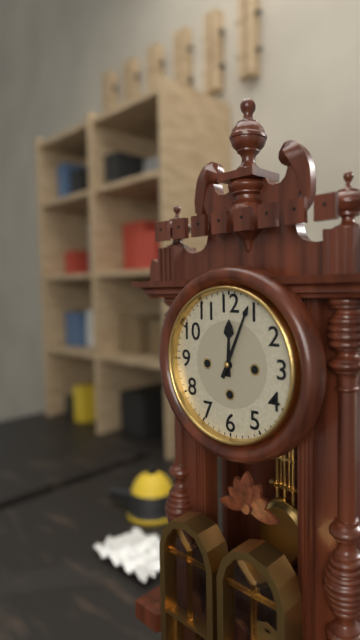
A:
h=12 m=4
